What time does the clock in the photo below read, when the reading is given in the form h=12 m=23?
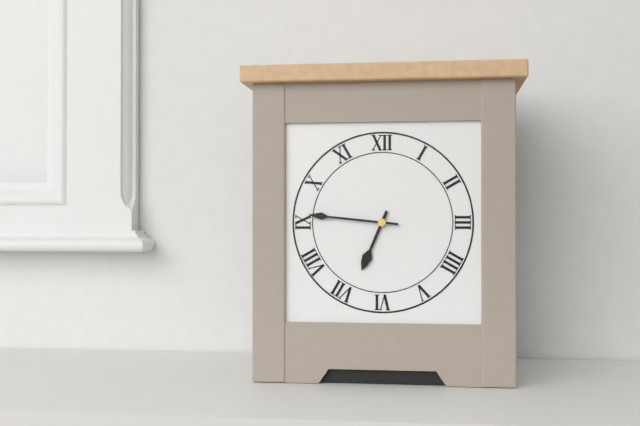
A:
h=6 m=46
